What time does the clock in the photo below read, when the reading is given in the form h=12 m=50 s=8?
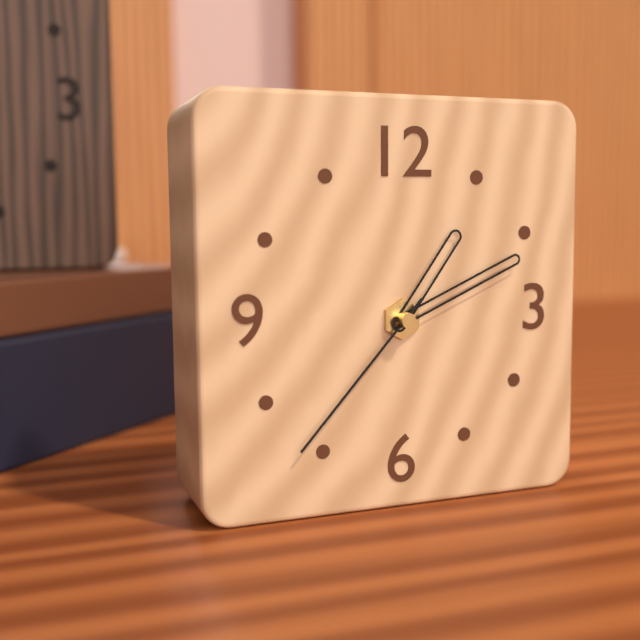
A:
h=1 m=11 s=37
